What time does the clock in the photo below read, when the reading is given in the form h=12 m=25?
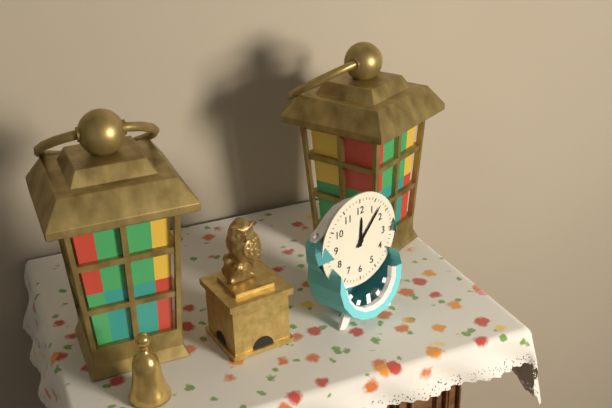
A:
h=12 m=7
